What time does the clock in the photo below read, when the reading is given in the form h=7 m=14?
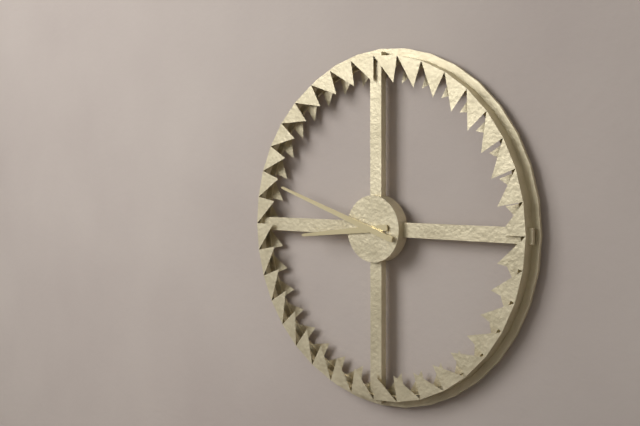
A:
h=8 m=48
